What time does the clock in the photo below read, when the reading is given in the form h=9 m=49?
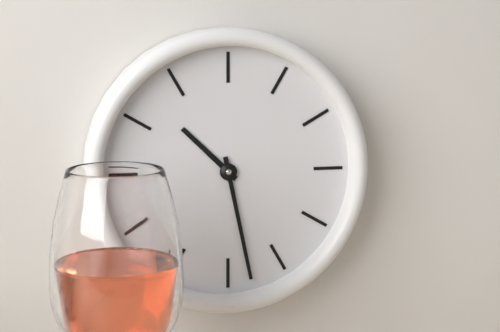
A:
h=10 m=28
